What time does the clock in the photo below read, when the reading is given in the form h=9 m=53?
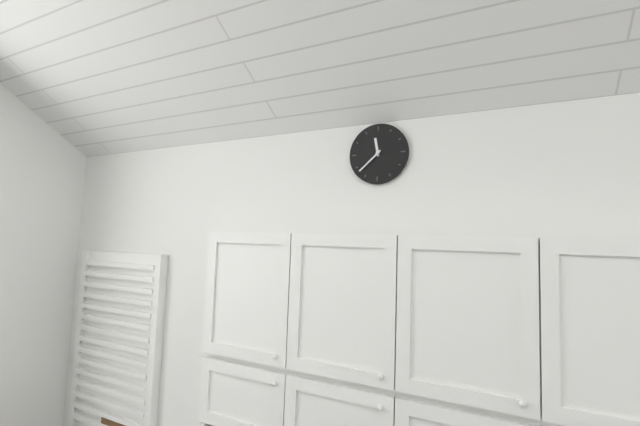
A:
h=11 m=38
